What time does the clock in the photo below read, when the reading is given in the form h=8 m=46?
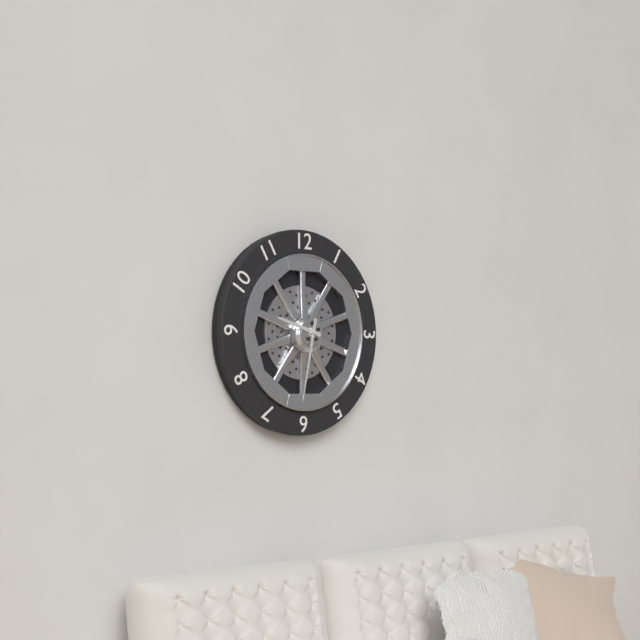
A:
h=9 m=32
